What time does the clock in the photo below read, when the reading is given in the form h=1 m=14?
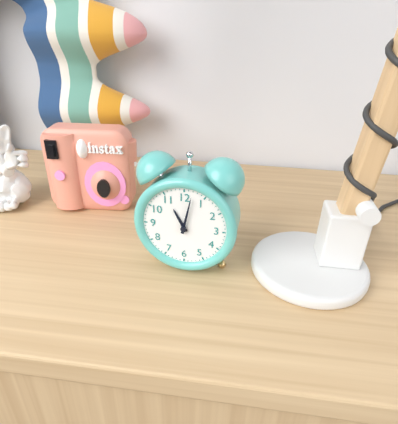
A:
h=11 m=2
